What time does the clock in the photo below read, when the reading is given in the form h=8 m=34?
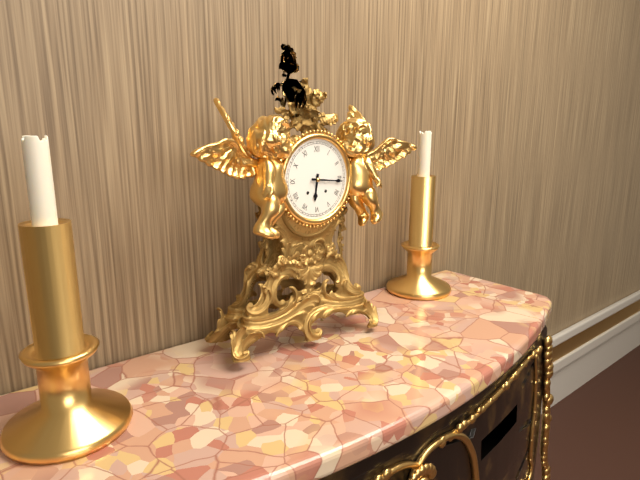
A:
h=6 m=16
